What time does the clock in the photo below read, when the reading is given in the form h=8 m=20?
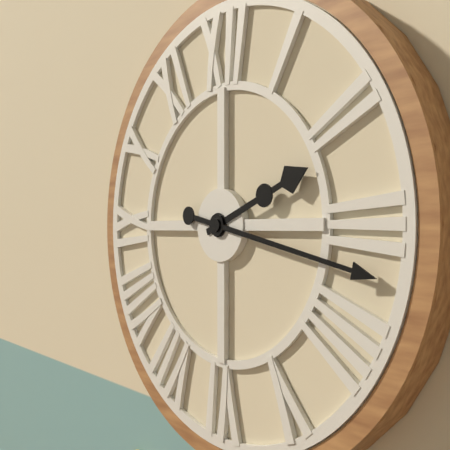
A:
h=2 m=17
